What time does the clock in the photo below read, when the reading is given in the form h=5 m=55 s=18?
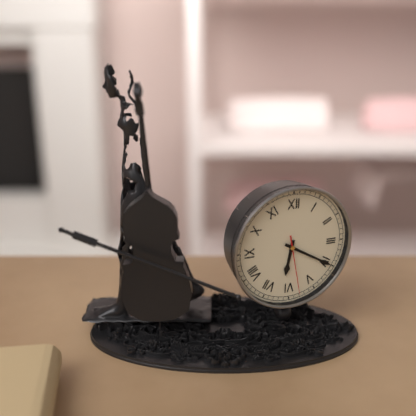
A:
h=6 m=20 s=28
